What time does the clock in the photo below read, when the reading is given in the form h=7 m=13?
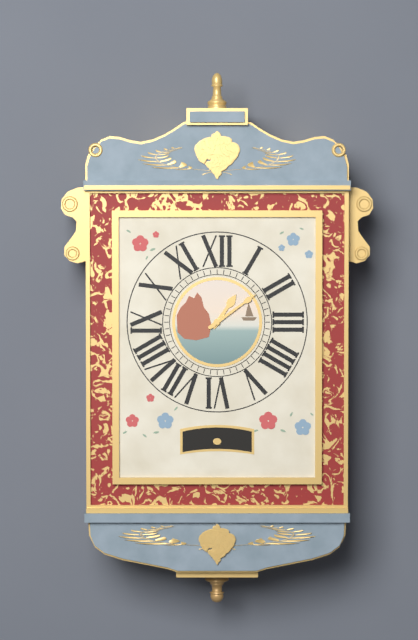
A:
h=1 m=9
